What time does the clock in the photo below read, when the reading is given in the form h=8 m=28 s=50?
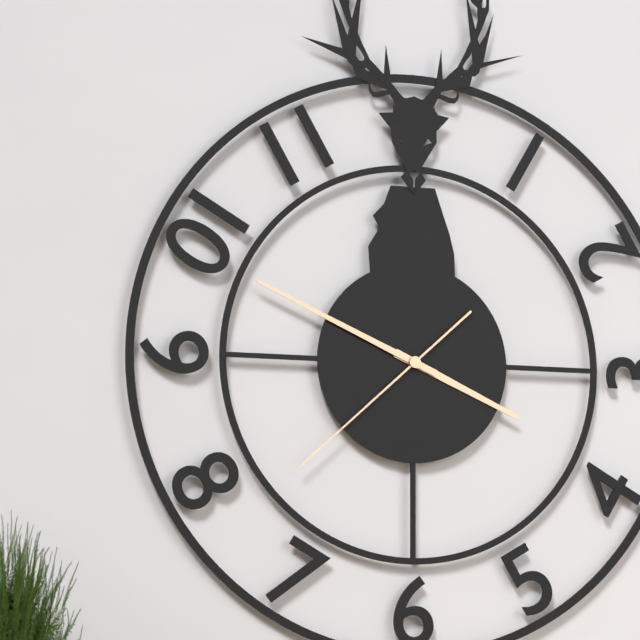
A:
h=3 m=49 s=38
